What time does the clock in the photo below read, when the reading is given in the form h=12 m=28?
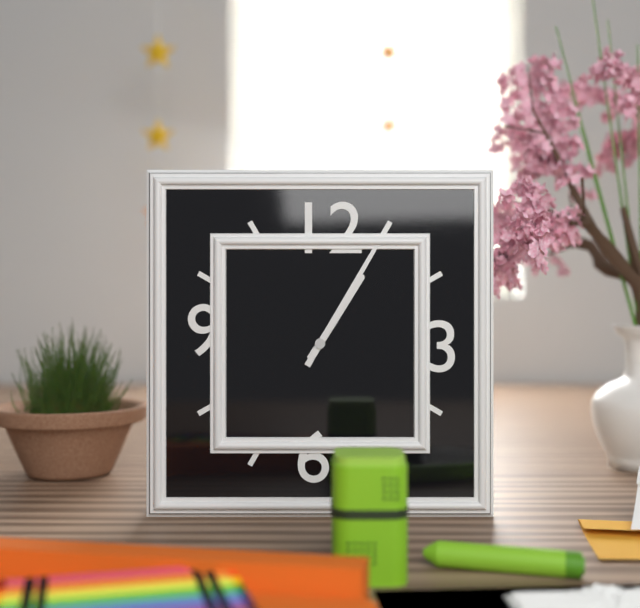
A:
h=1 m=5
